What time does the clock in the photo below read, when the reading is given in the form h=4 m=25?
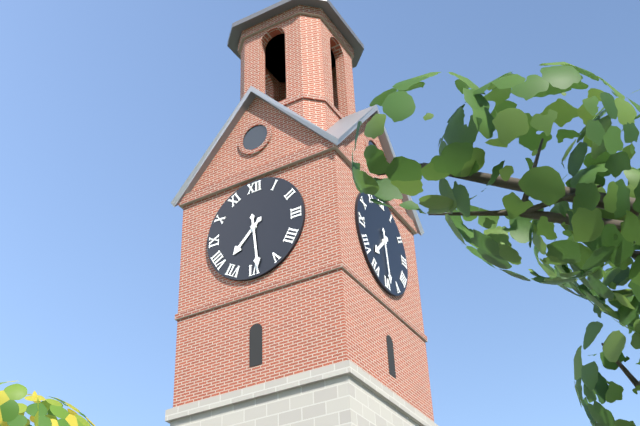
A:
h=7 m=29
